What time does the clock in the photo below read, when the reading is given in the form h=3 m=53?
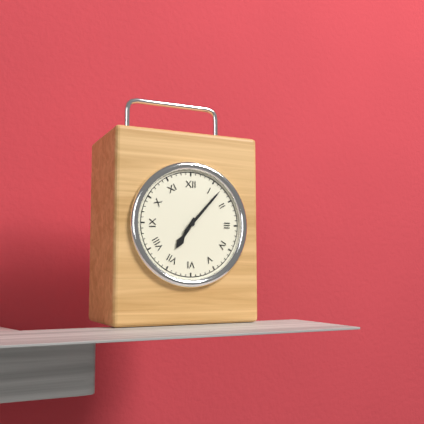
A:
h=7 m=7
